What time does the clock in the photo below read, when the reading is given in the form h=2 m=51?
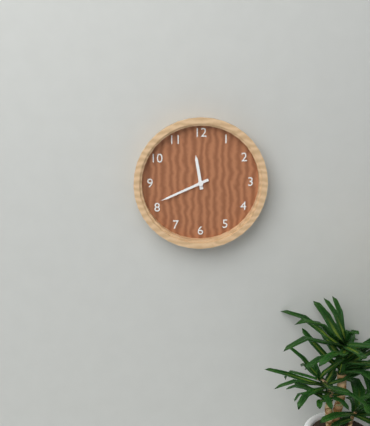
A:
h=11 m=41
